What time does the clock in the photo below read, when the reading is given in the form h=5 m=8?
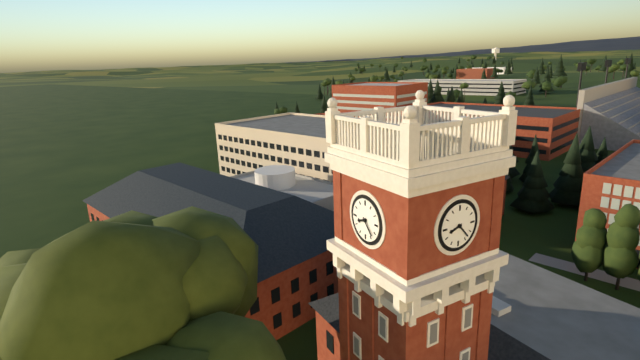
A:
h=8 m=23
